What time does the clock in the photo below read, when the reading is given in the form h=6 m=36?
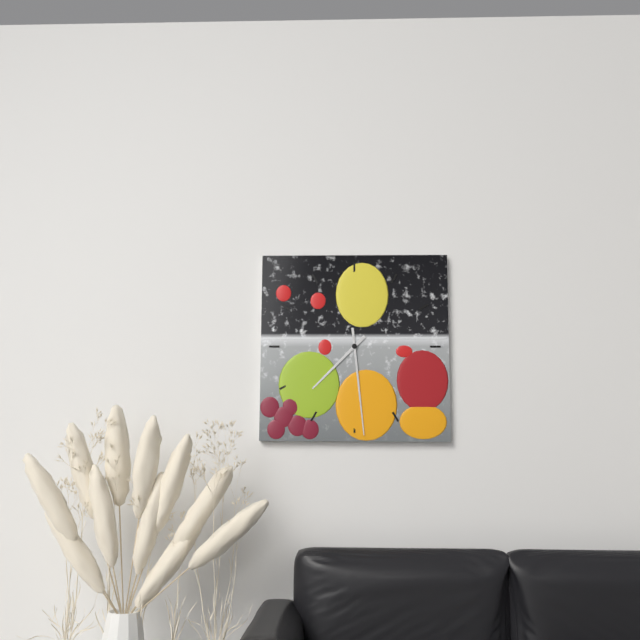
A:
h=7 m=29
